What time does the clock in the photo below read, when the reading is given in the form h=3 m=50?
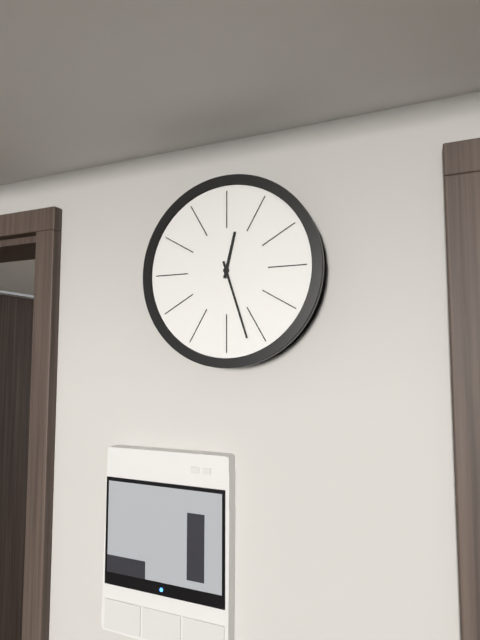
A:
h=12 m=27
